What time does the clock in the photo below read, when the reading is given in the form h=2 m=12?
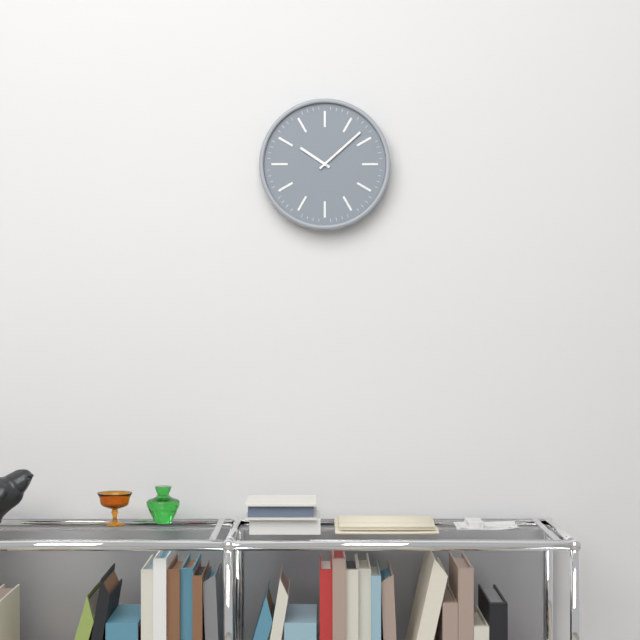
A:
h=10 m=8
